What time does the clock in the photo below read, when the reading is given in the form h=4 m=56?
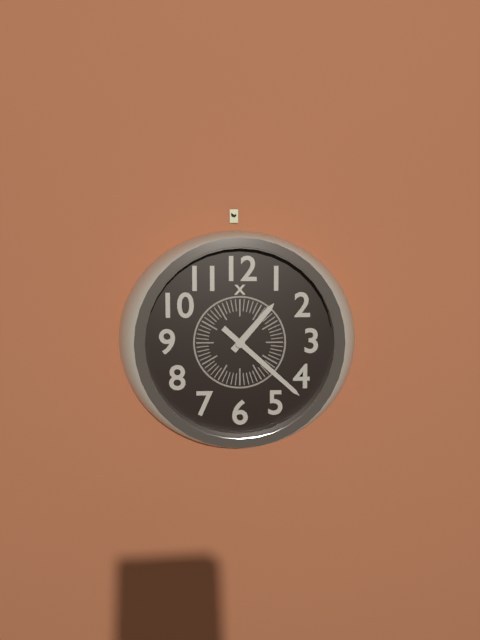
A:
h=1 m=22
